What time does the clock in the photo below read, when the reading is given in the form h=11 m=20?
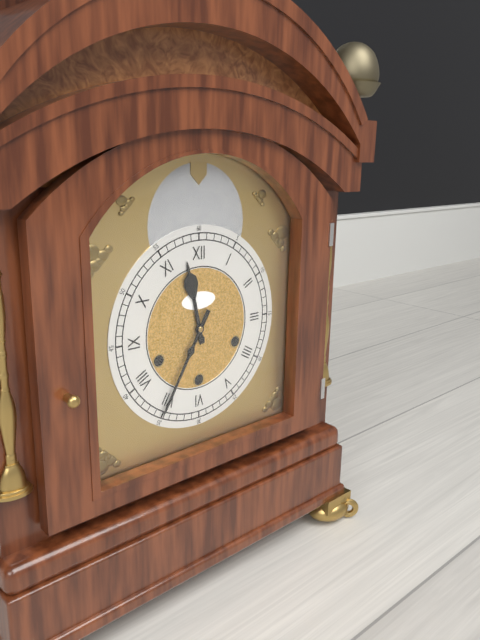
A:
h=11 m=35
